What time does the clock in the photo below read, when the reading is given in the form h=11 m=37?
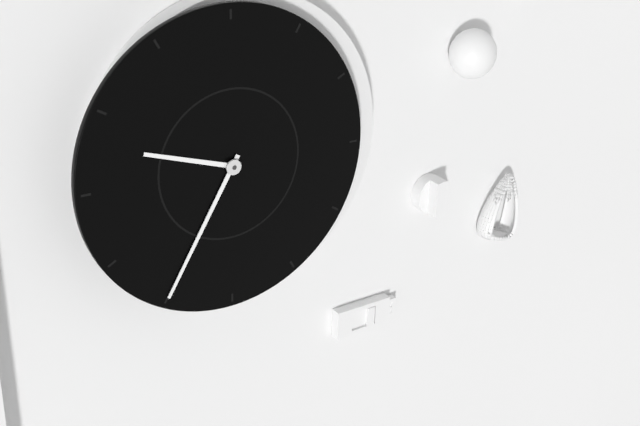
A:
h=9 m=35
